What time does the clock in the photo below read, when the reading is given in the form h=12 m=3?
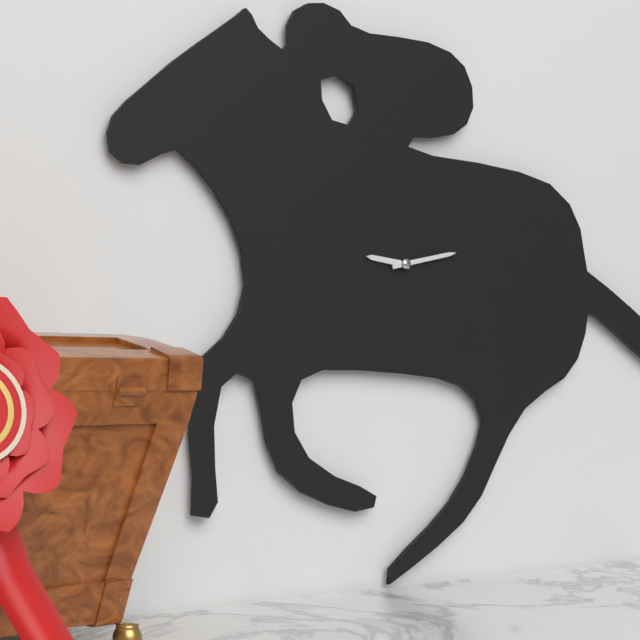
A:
h=9 m=13
